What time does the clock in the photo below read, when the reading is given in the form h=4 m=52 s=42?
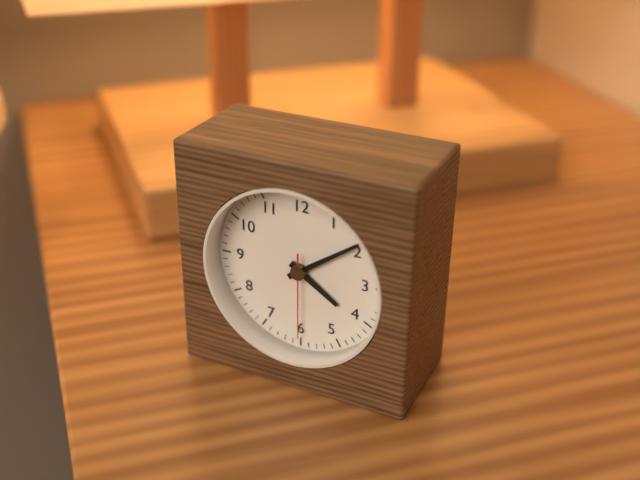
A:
h=4 m=9 s=30
